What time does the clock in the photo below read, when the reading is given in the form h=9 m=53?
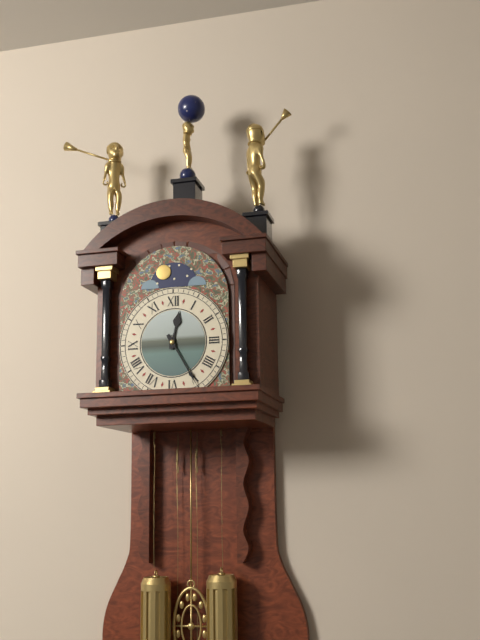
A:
h=12 m=25
